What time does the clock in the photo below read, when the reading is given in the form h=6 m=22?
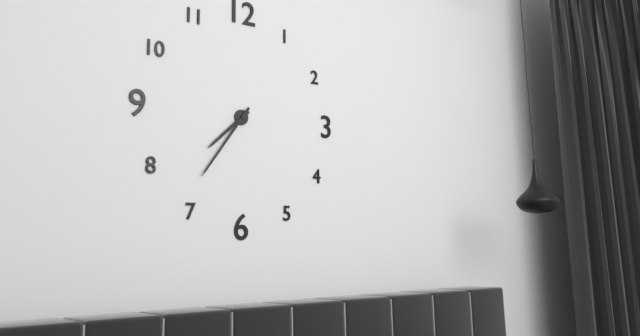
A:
h=7 m=36
